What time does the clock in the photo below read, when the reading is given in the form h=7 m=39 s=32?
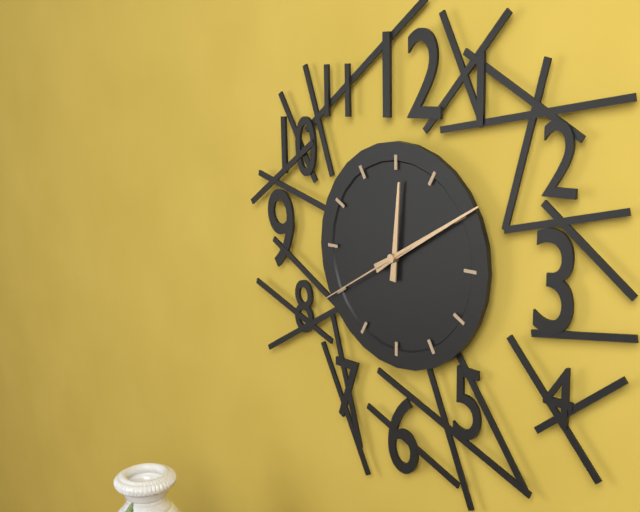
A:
h=12 m=10 s=40
